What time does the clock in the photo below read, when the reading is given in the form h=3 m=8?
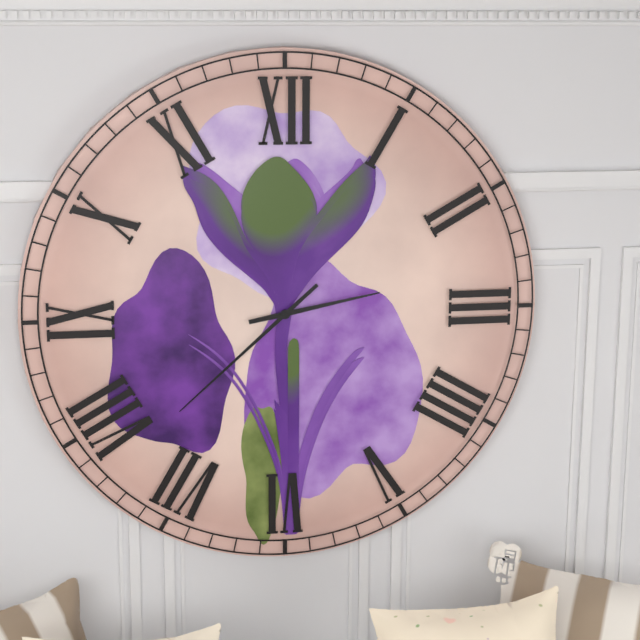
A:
h=2 m=38
